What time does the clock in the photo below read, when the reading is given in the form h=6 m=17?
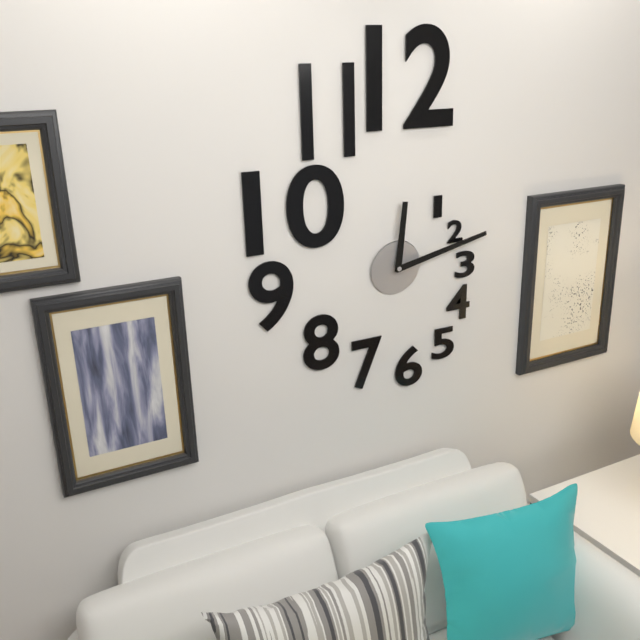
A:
h=12 m=13
